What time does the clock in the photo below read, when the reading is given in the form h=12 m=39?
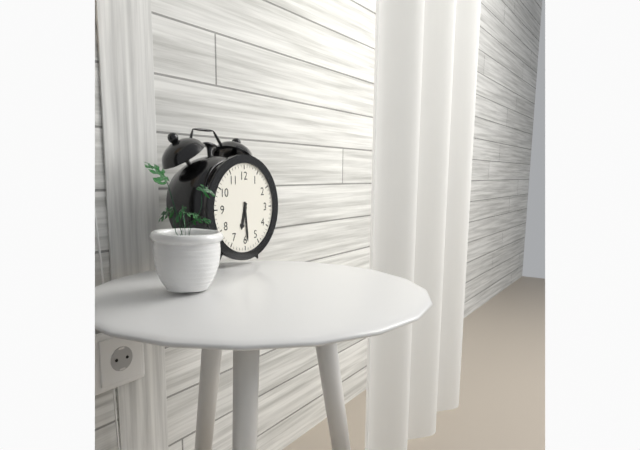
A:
h=6 m=29
